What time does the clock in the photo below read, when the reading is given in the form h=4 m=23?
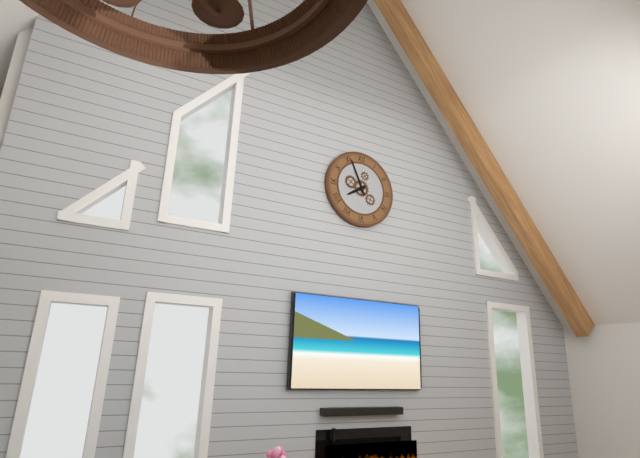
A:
h=7 m=56
